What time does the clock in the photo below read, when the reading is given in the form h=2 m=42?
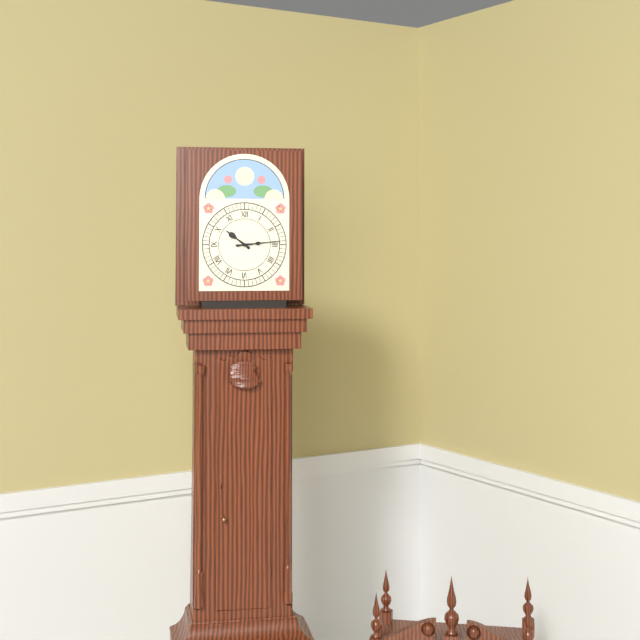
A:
h=10 m=14
